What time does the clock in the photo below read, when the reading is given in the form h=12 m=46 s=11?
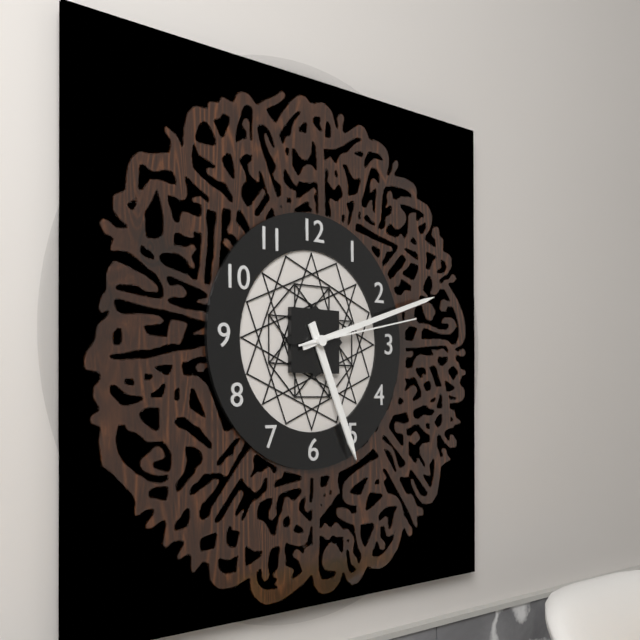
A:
h=5 m=12 s=13
